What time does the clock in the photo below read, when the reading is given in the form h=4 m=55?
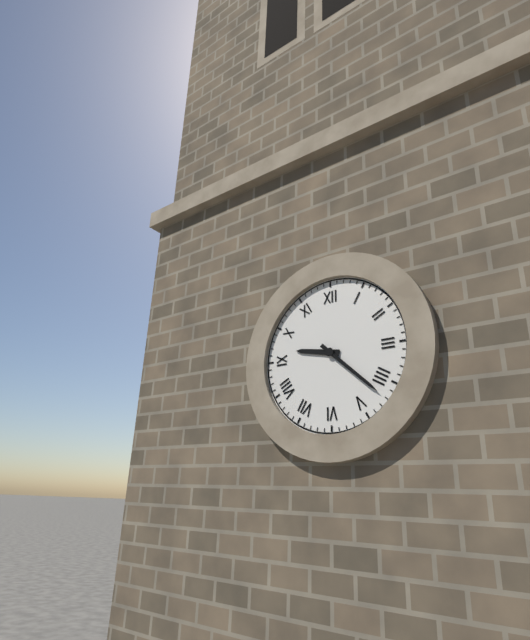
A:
h=9 m=22
